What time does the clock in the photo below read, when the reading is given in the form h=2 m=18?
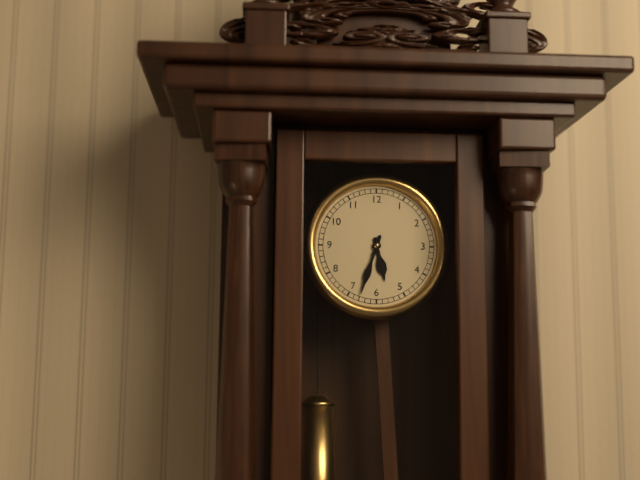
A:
h=5 m=33
